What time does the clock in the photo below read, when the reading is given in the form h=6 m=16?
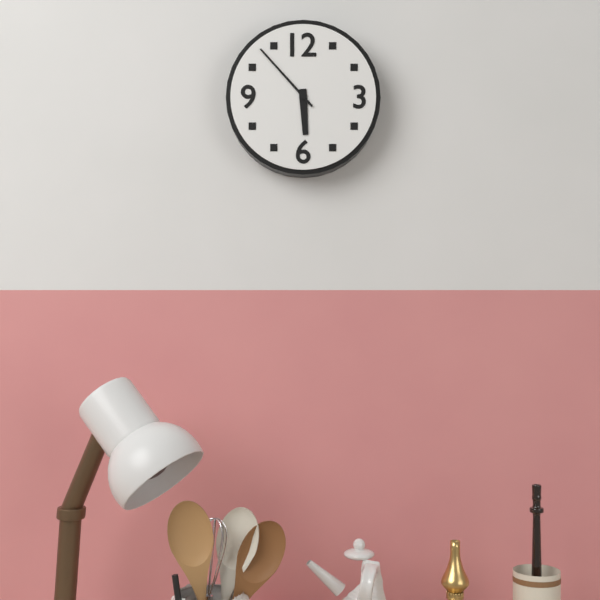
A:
h=5 m=53
